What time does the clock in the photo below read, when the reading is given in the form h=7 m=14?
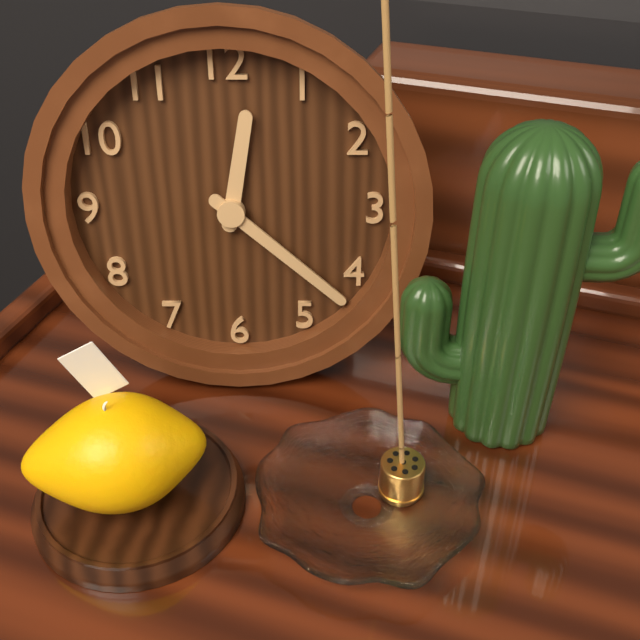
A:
h=12 m=22
